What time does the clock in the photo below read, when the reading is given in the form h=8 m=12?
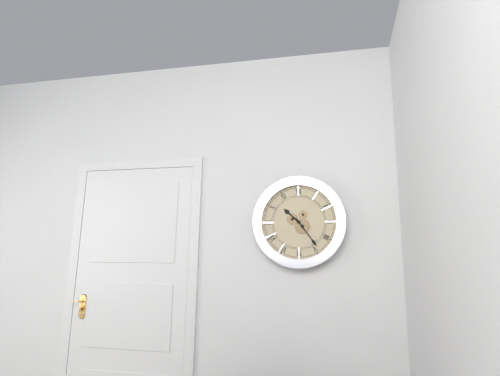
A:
h=10 m=24
